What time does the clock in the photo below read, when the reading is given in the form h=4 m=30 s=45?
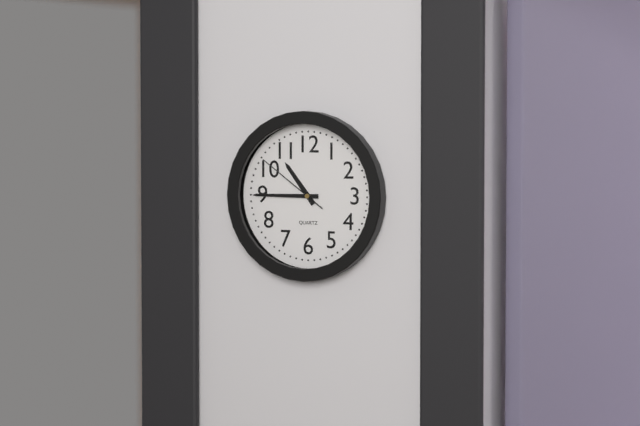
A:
h=10 m=45 s=51
